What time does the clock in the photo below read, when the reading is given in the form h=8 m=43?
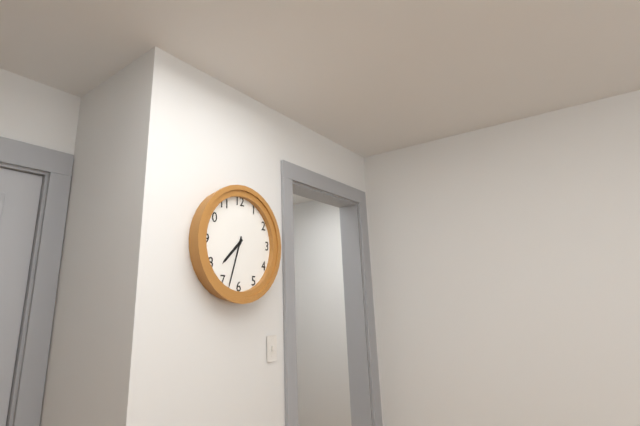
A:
h=7 m=33
